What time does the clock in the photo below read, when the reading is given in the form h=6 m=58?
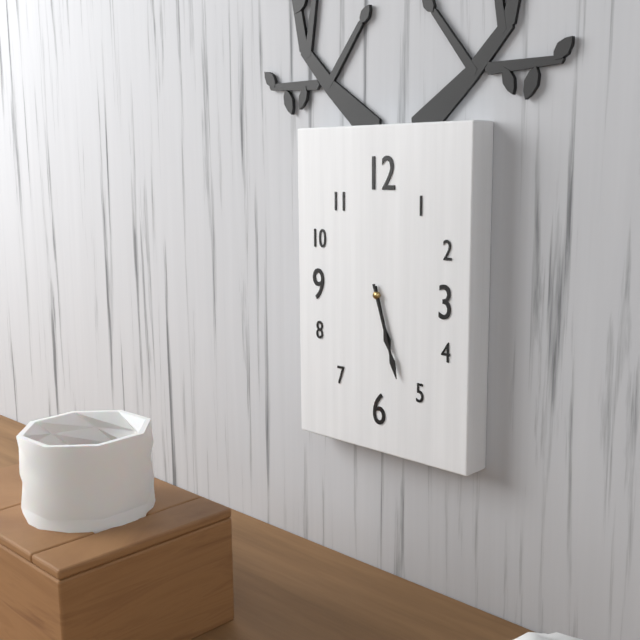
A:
h=5 m=27
